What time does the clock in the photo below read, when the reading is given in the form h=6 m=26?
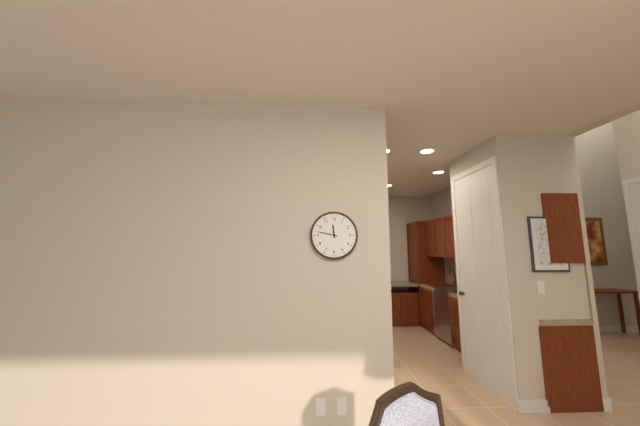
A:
h=11 m=47
